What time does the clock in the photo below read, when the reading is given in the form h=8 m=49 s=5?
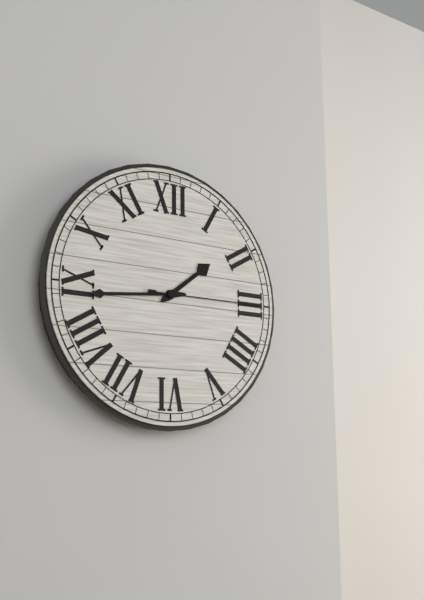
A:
h=1 m=44 s=15
